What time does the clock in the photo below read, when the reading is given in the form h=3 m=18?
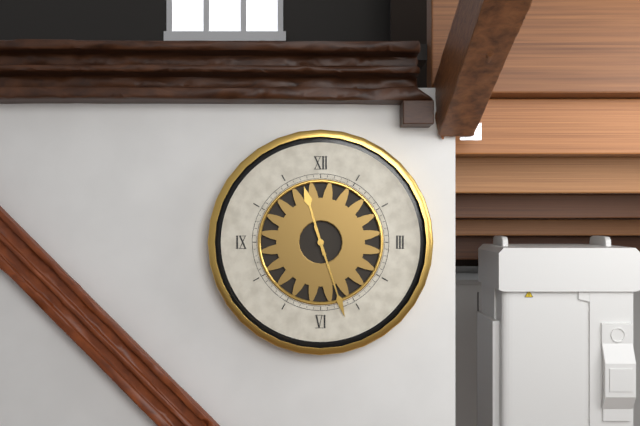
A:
h=11 m=27
